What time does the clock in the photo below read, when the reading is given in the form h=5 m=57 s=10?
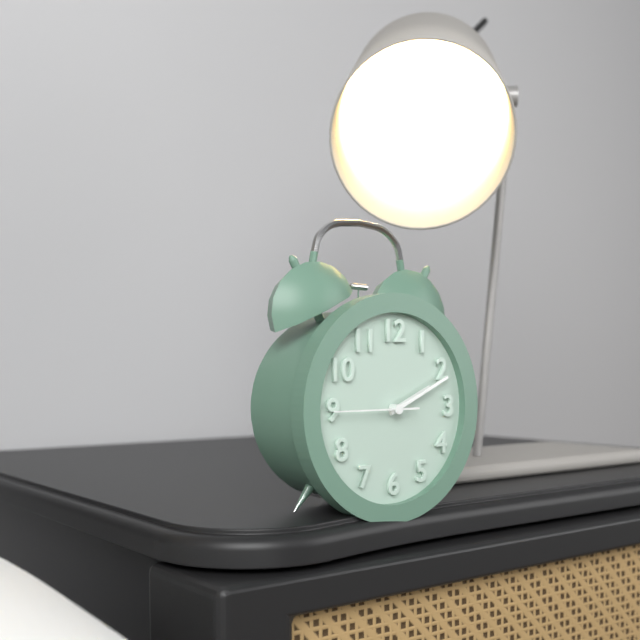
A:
h=2 m=11 s=45
